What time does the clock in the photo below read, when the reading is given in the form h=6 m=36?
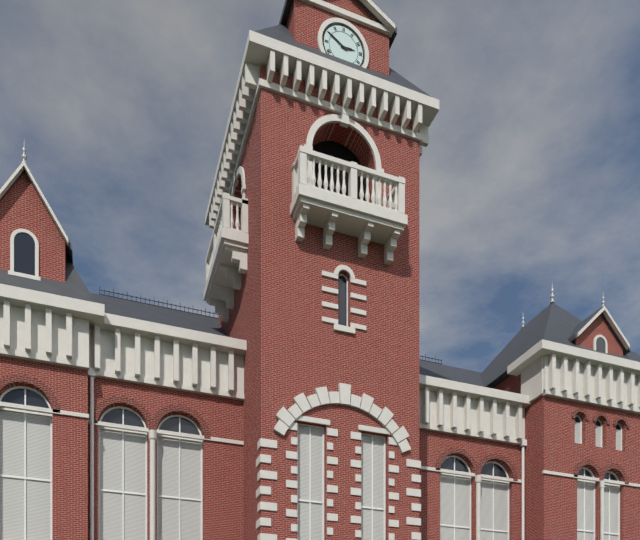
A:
h=2 m=50
